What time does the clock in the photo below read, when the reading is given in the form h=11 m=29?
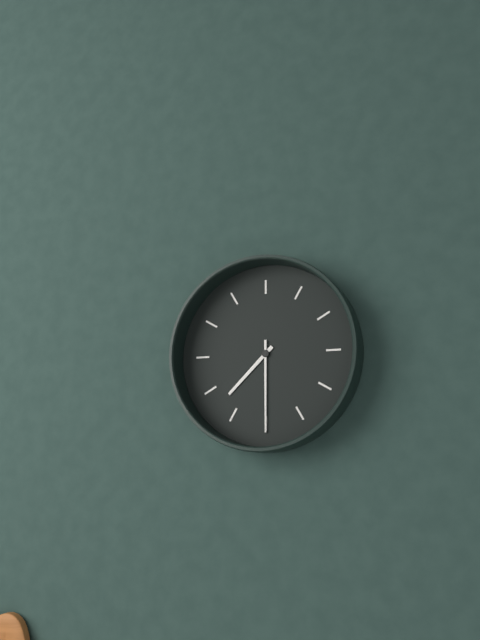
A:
h=7 m=30
